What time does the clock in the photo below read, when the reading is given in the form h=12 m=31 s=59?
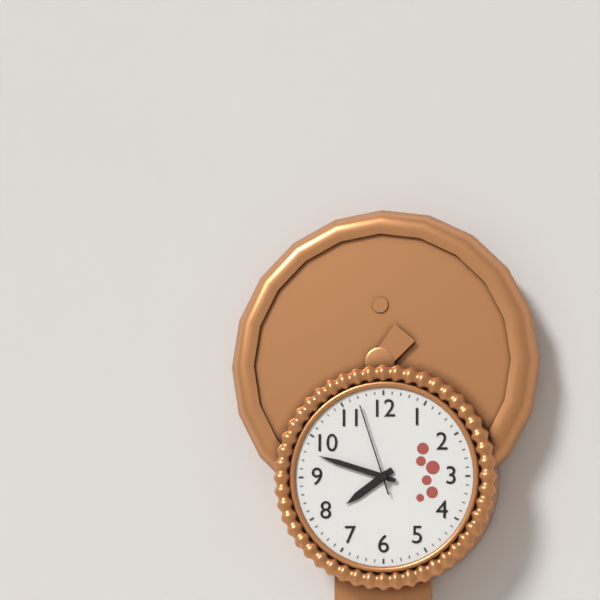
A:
h=7 m=48 s=57
